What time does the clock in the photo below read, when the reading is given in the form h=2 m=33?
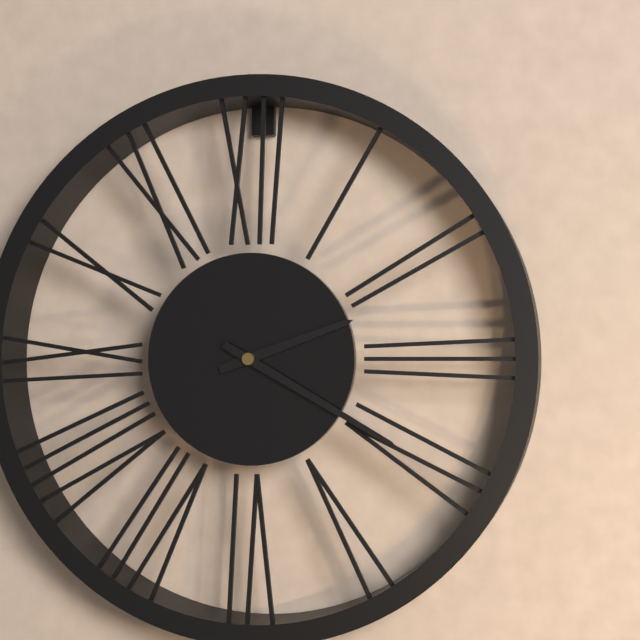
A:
h=2 m=20
